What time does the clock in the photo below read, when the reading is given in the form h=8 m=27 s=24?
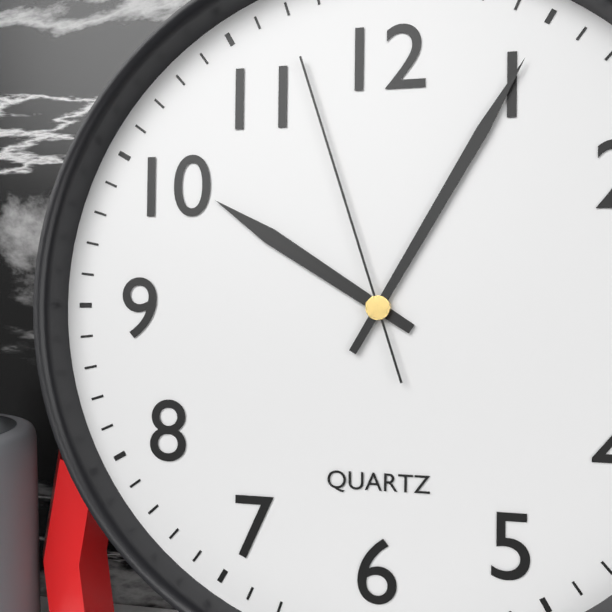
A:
h=10 m=5 s=57
